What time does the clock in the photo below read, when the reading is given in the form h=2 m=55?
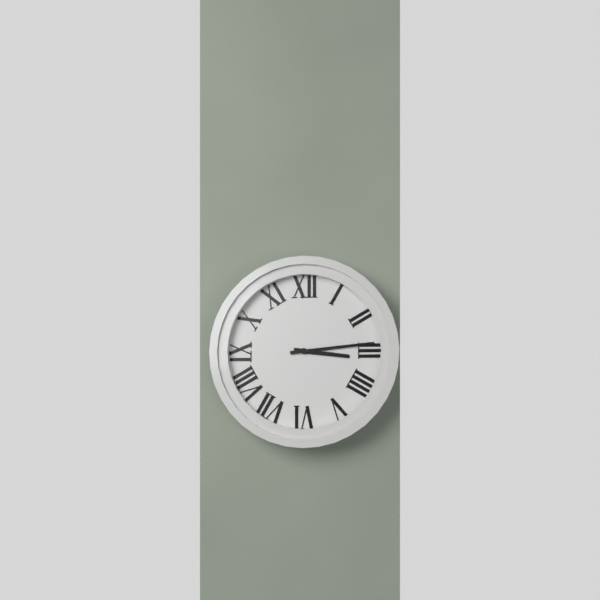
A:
h=3 m=14
